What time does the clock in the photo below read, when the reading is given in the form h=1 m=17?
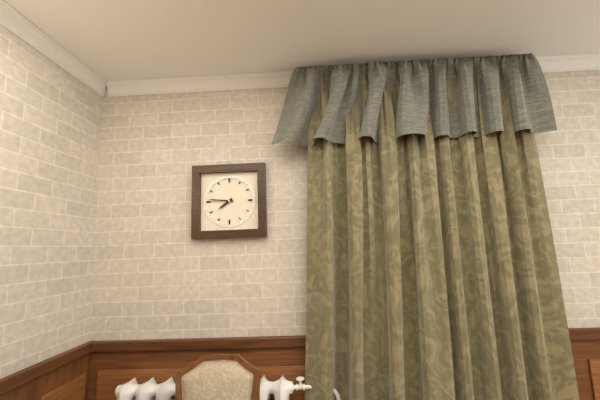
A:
h=7 m=46
